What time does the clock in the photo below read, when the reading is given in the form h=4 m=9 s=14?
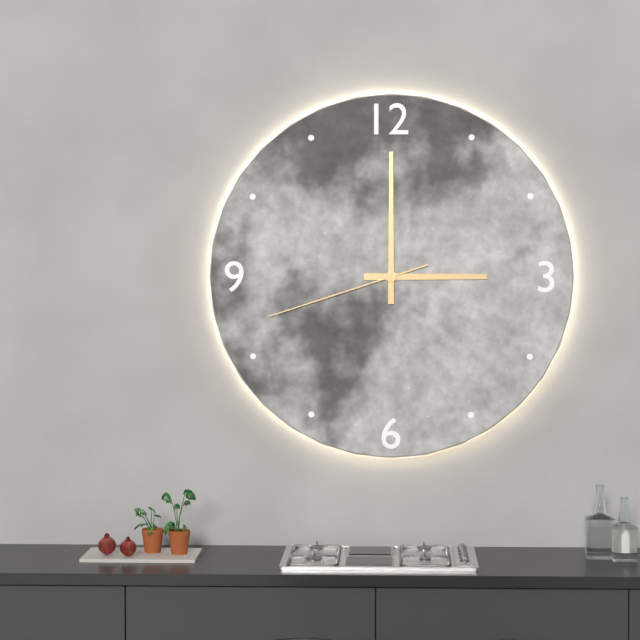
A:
h=3 m=0 s=42
